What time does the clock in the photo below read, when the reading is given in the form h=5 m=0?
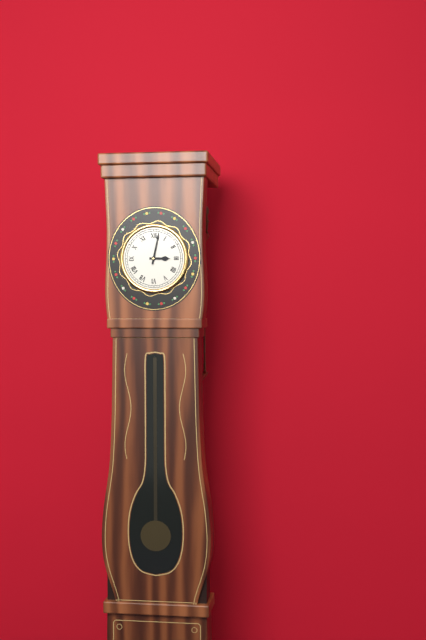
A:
h=3 m=2
